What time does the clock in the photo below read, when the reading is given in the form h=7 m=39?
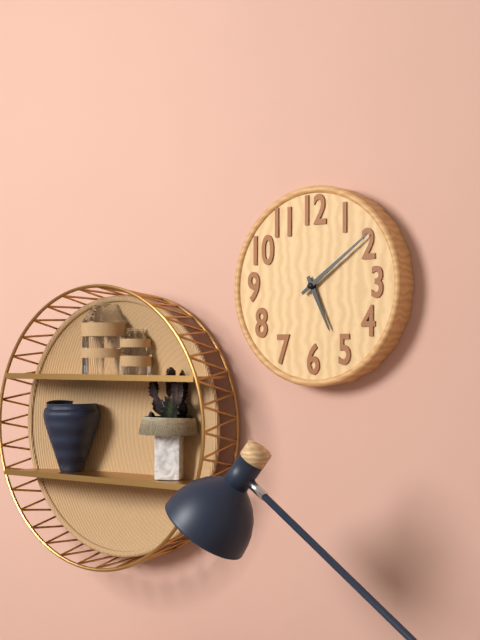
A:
h=5 m=9
